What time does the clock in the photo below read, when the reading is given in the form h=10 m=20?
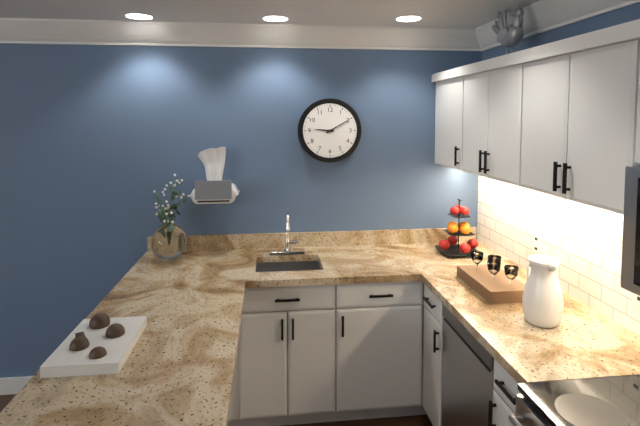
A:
h=9 m=10
